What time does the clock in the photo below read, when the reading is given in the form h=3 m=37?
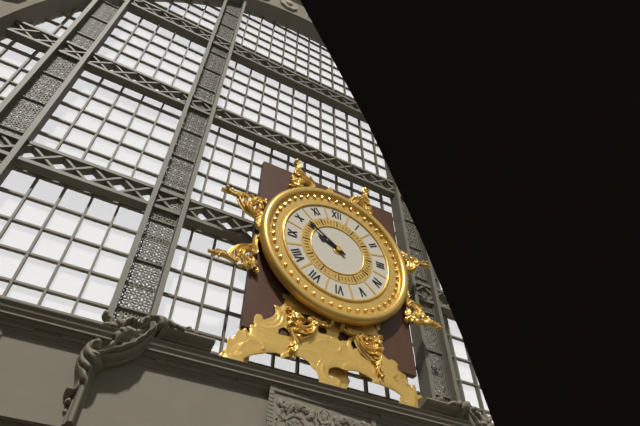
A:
h=9 m=51
